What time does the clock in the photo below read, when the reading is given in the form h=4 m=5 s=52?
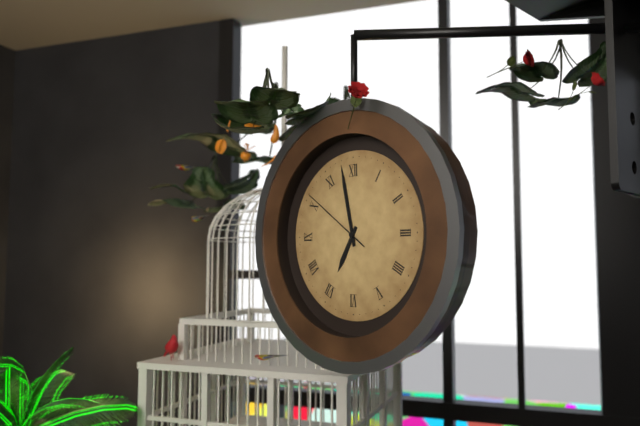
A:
h=6 m=58 s=51
